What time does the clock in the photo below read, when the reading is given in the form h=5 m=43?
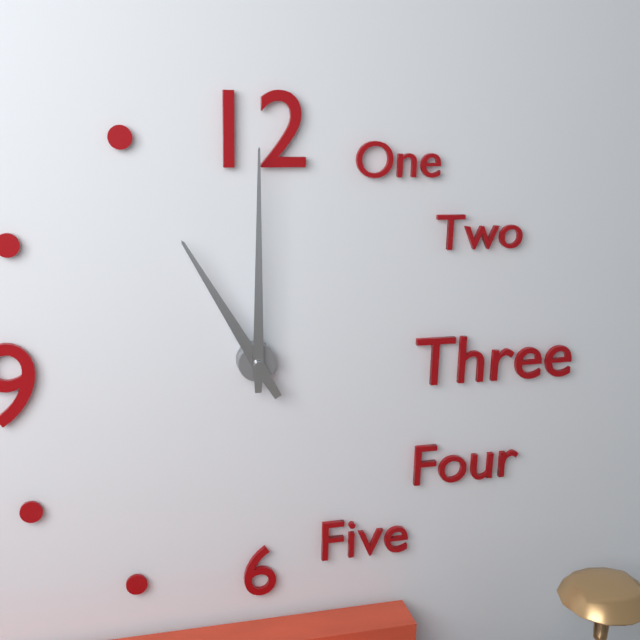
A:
h=11 m=0
